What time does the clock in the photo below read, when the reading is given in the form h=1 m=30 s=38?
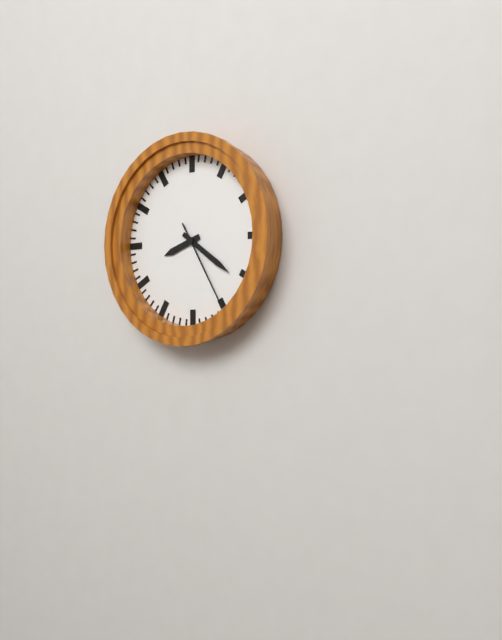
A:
h=8 m=21 s=25
